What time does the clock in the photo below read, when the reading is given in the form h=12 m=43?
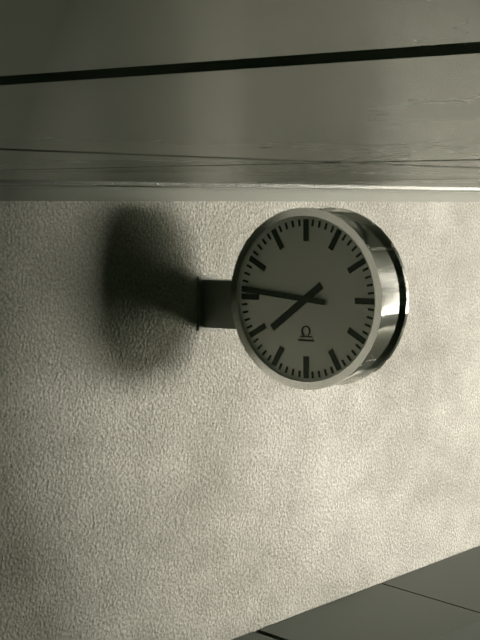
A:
h=7 m=46
